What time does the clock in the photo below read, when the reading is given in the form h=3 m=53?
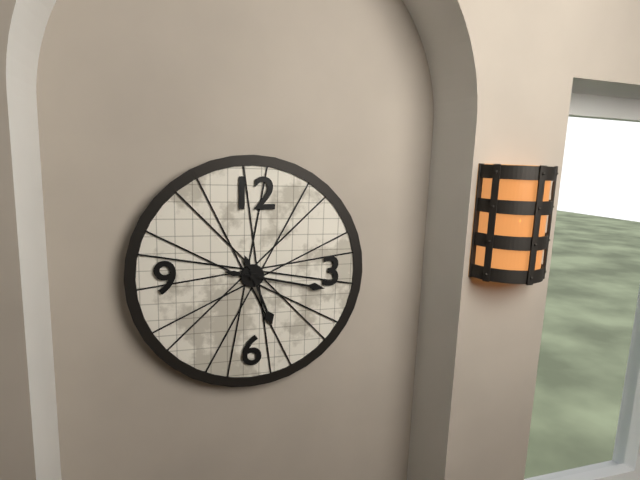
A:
h=5 m=17
